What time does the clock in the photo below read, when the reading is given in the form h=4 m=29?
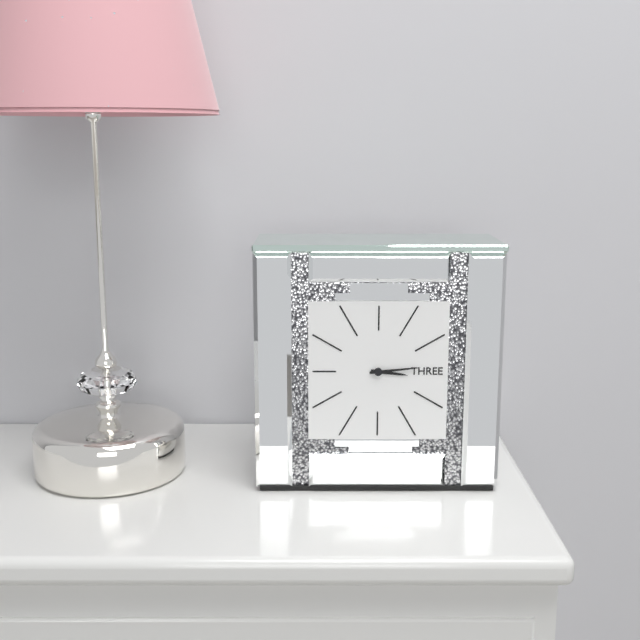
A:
h=3 m=14
